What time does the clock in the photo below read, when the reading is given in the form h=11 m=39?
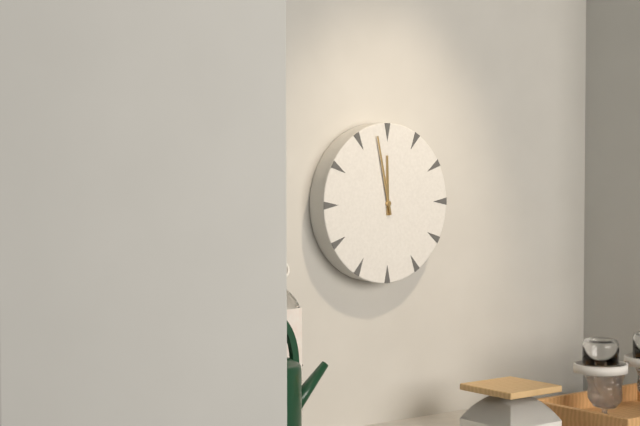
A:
h=11 m=58
